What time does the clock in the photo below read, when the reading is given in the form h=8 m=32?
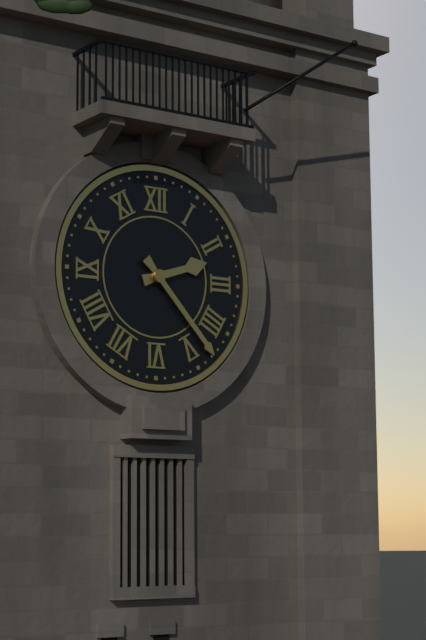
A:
h=2 m=23
